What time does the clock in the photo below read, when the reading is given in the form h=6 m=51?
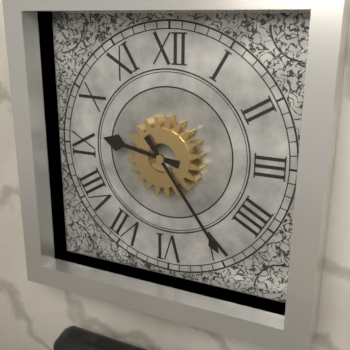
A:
h=9 m=24
